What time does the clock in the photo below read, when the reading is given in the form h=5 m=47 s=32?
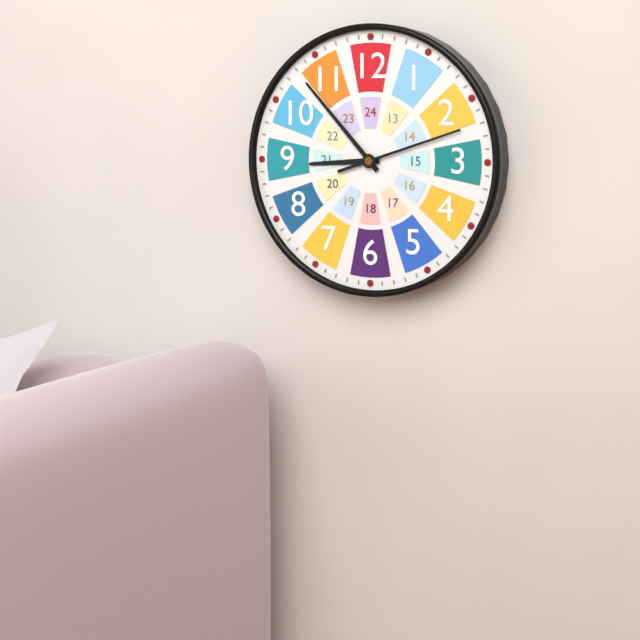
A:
h=8 m=53 s=12
